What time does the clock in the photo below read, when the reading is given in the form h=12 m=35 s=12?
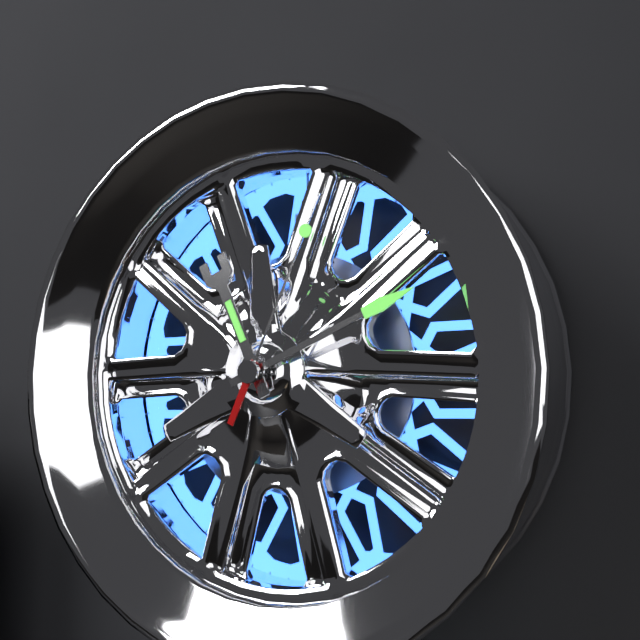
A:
h=11 m=11 s=4
